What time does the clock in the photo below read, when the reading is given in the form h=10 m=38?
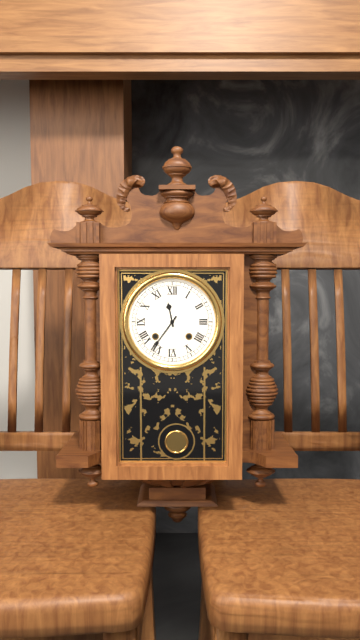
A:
h=11 m=36
